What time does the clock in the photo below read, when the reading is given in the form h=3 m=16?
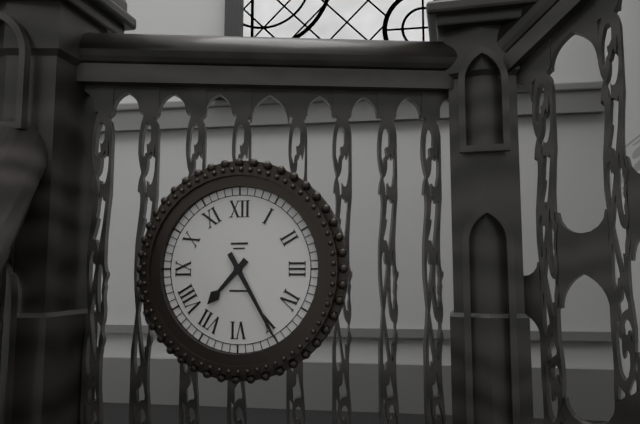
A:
h=7 m=25
